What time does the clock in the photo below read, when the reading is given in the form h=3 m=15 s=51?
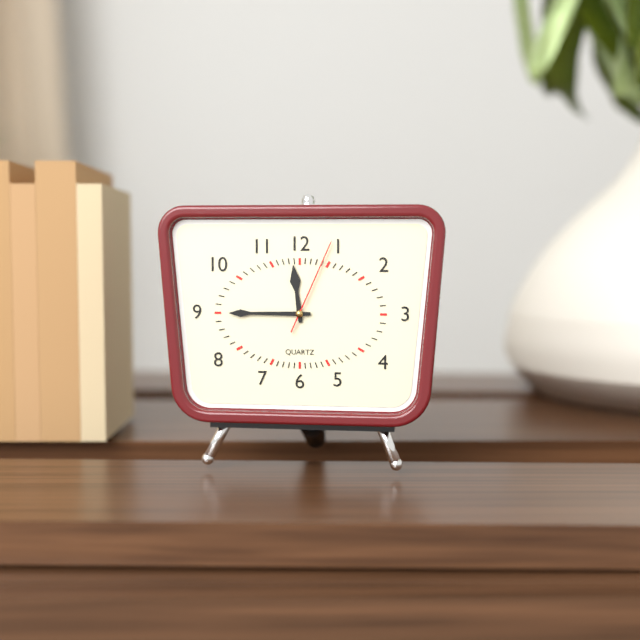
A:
h=11 m=45 s=4
